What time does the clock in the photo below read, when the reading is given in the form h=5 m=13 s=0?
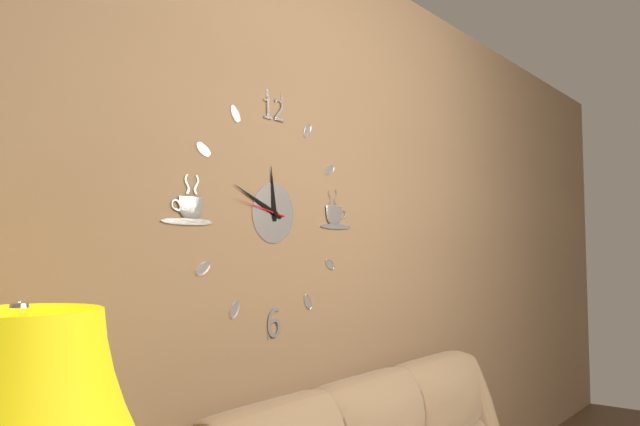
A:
h=11 m=49 s=47
